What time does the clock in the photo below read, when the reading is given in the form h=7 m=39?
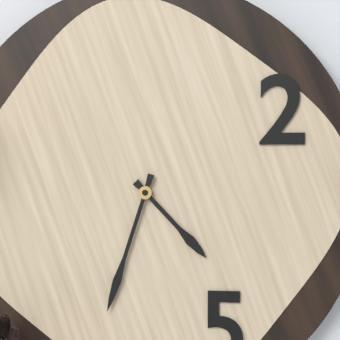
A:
h=4 m=33
